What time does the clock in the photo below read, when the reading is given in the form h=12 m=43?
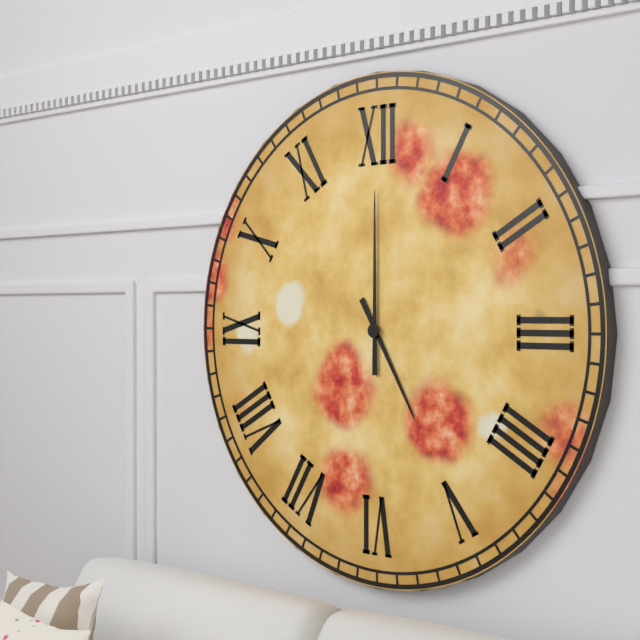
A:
h=5 m=0
